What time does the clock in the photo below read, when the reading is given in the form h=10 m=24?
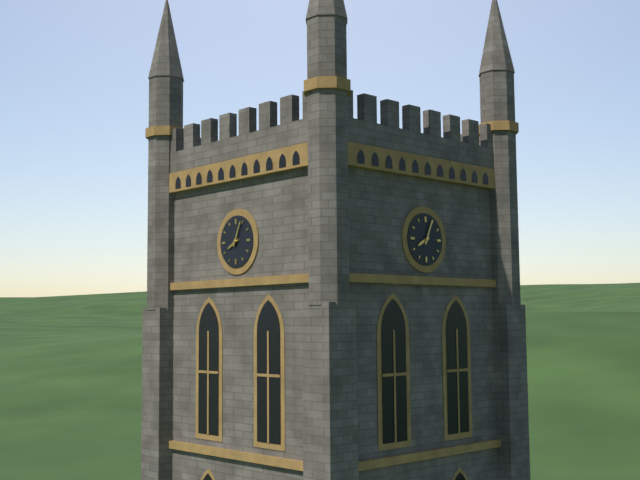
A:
h=8 m=4
